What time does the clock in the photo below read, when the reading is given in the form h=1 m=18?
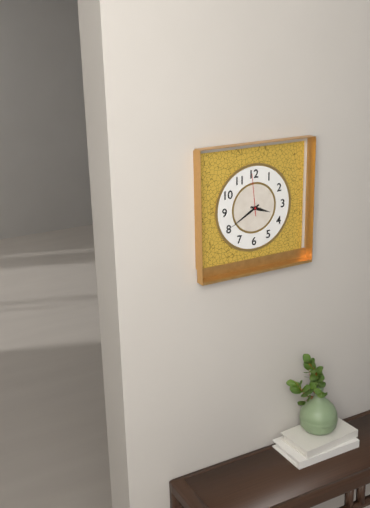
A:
h=3 m=40
